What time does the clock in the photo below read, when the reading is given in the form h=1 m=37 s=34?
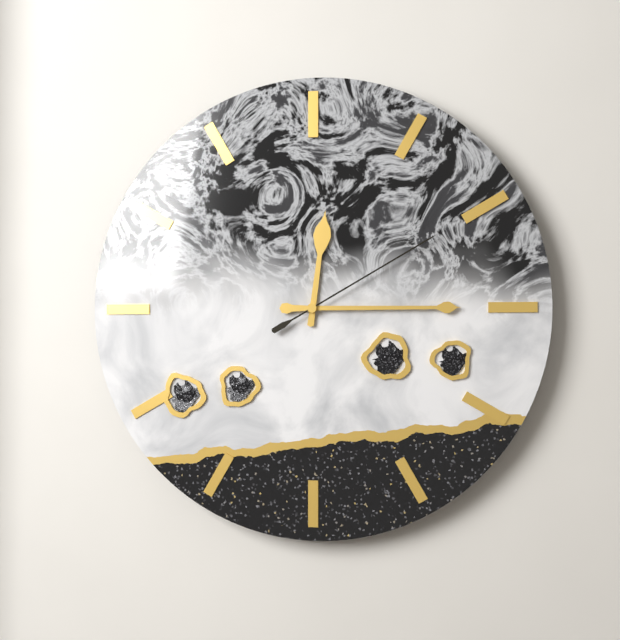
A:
h=12 m=15 s=10
